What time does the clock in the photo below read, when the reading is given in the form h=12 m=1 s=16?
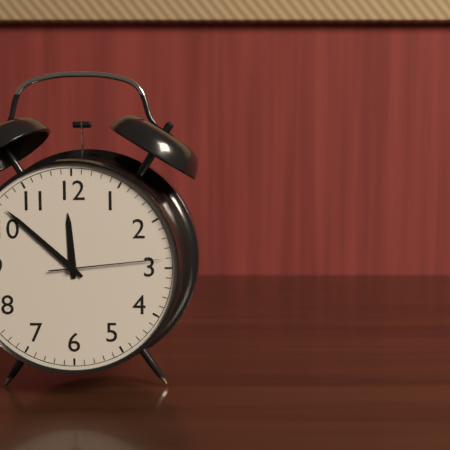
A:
h=11 m=52 s=14
